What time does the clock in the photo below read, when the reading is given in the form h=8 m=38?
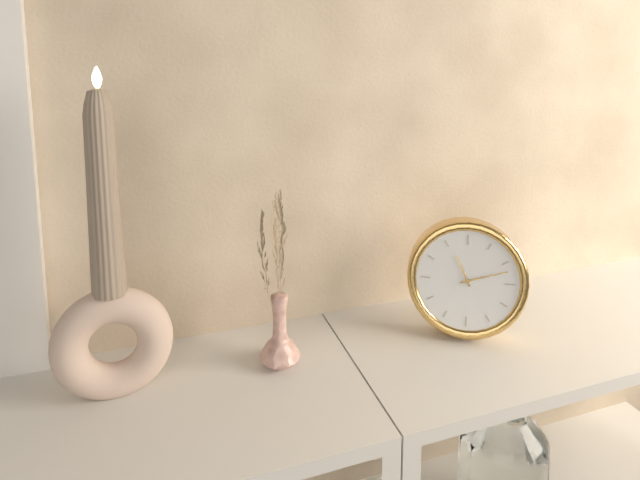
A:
h=11 m=12
